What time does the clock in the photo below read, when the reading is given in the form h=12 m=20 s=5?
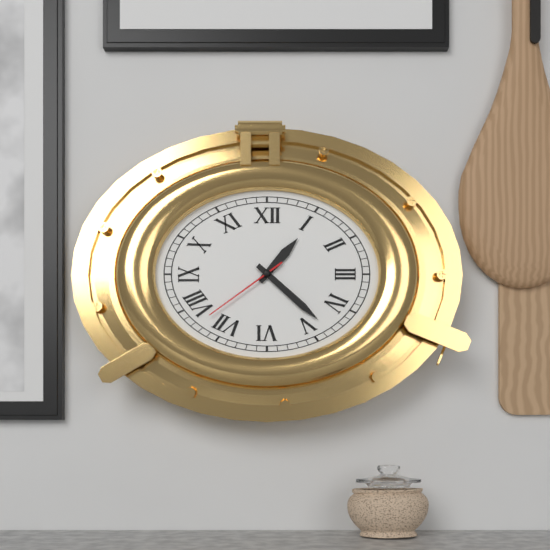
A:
h=1 m=22 s=39
